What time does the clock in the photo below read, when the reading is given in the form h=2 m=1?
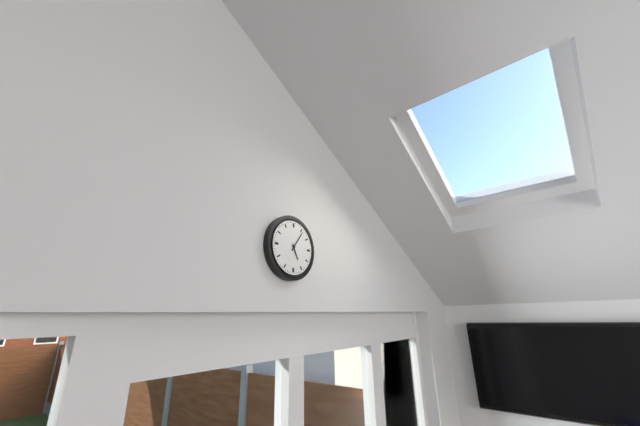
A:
h=5 m=6
